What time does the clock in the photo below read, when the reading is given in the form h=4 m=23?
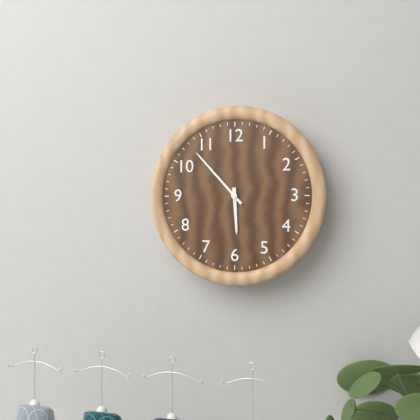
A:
h=5 m=53
